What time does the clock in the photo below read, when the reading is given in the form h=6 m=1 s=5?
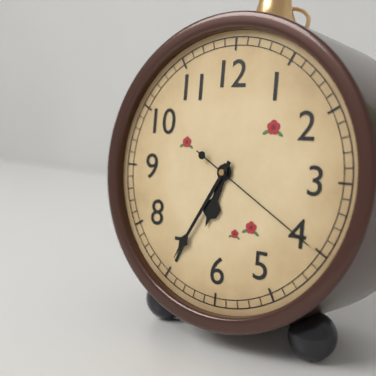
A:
h=6 m=35 s=20
